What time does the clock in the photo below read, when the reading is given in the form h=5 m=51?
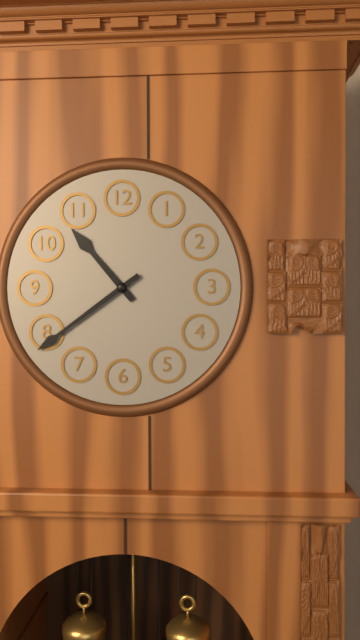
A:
h=10 m=39
